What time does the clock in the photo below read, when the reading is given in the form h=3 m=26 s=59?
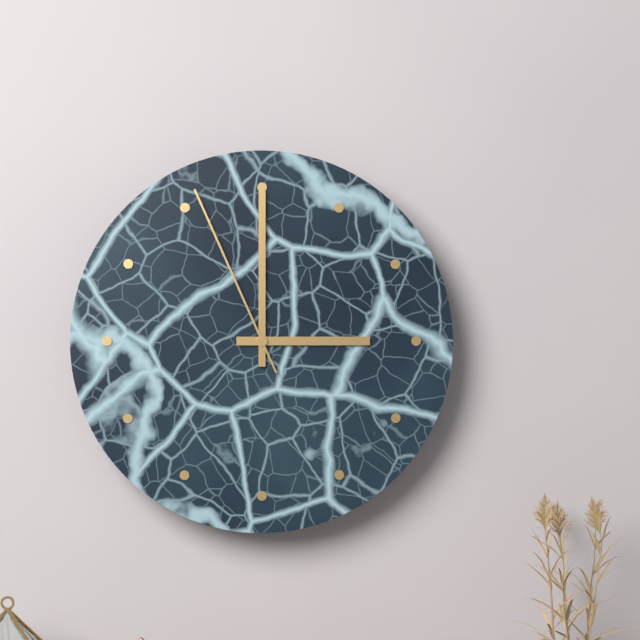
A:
h=3 m=0 s=56
